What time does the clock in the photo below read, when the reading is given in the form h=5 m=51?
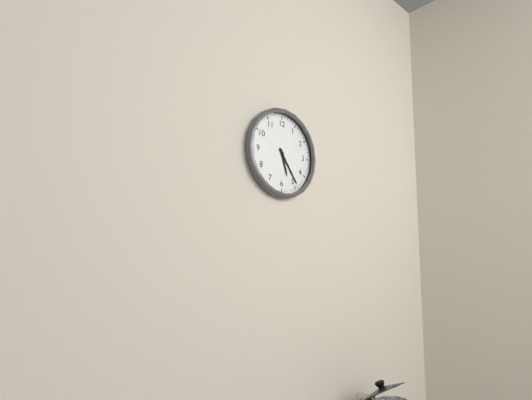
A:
h=5 m=24
